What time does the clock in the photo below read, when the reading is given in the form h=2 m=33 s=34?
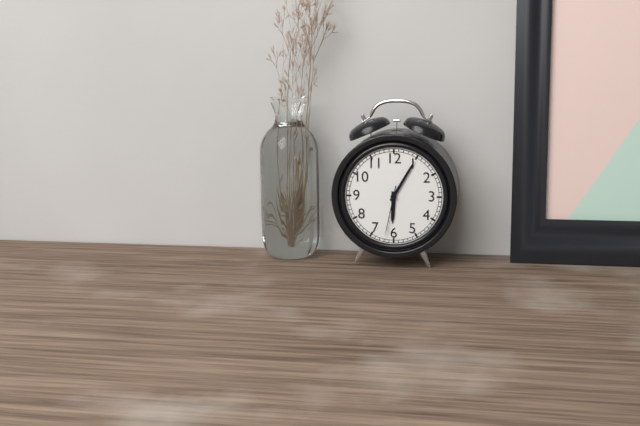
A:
h=6 m=5 s=32
